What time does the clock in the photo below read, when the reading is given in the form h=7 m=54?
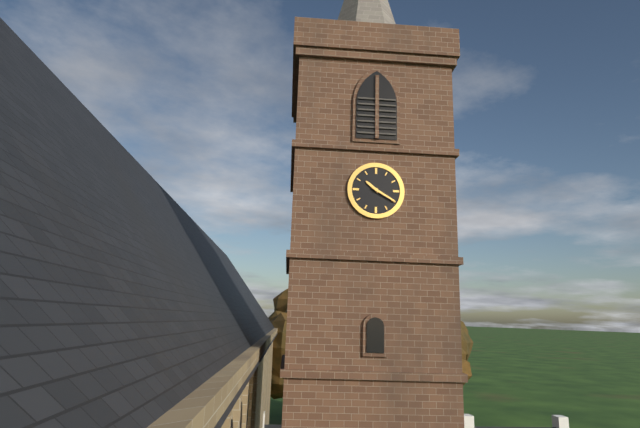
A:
h=10 m=20
